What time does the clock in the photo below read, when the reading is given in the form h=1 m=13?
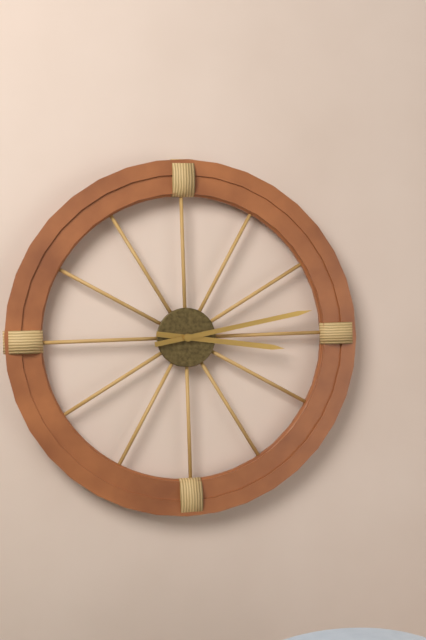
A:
h=3 m=13
